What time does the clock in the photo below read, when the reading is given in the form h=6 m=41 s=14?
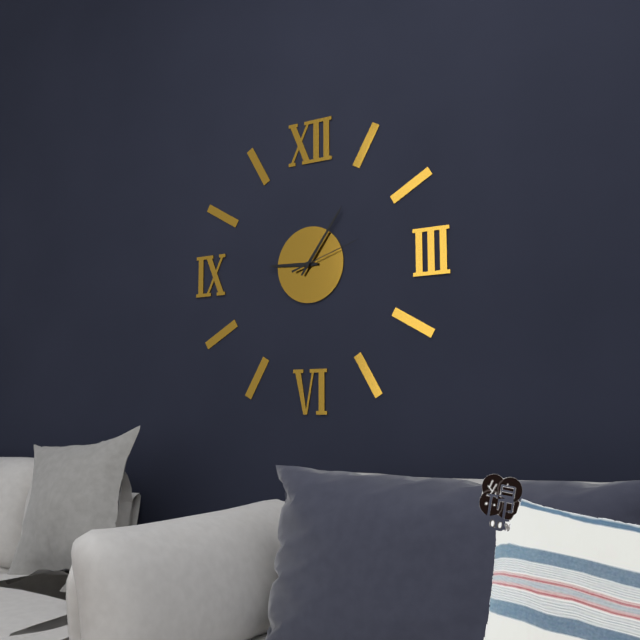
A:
h=9 m=6 s=12
